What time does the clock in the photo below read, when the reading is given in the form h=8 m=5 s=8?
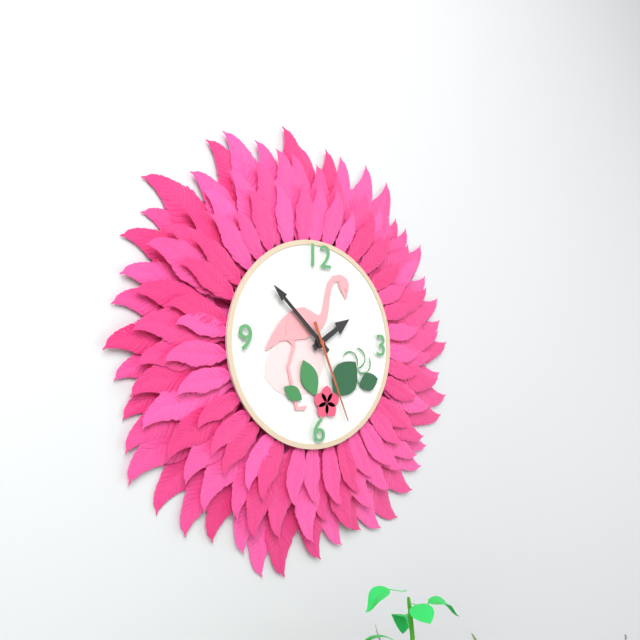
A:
h=1 m=52 s=26
